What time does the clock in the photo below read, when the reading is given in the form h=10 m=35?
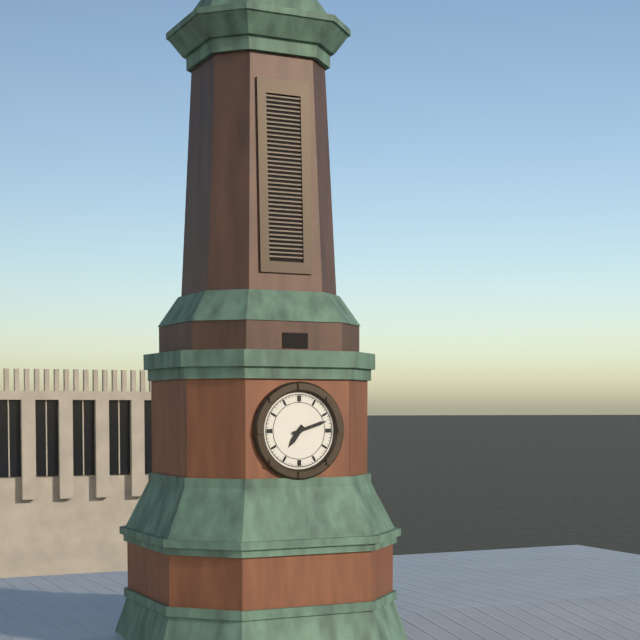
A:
h=7 m=12
